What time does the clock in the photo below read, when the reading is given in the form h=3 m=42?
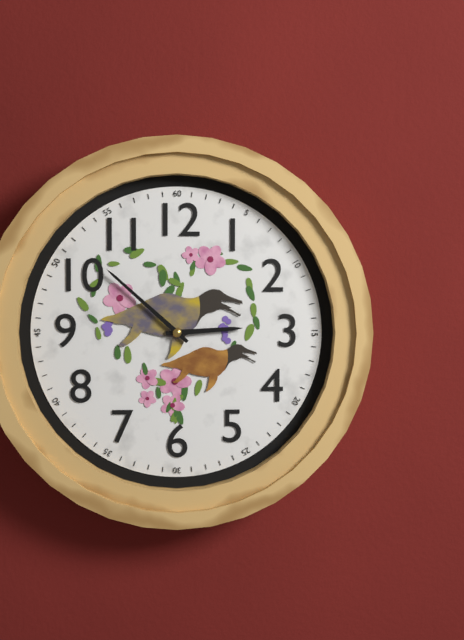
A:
h=2 m=52
